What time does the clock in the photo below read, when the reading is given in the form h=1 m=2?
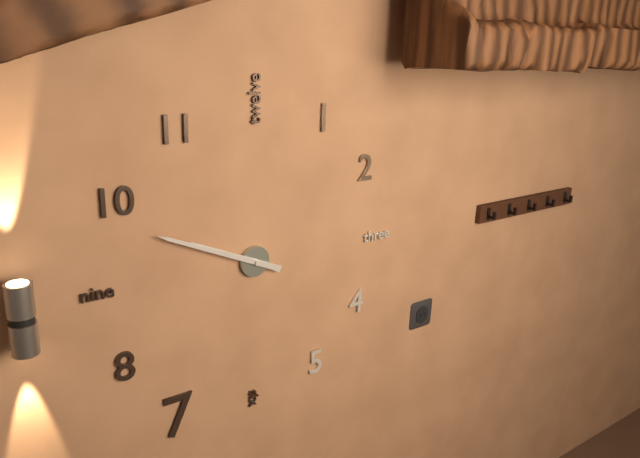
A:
h=9 m=49
